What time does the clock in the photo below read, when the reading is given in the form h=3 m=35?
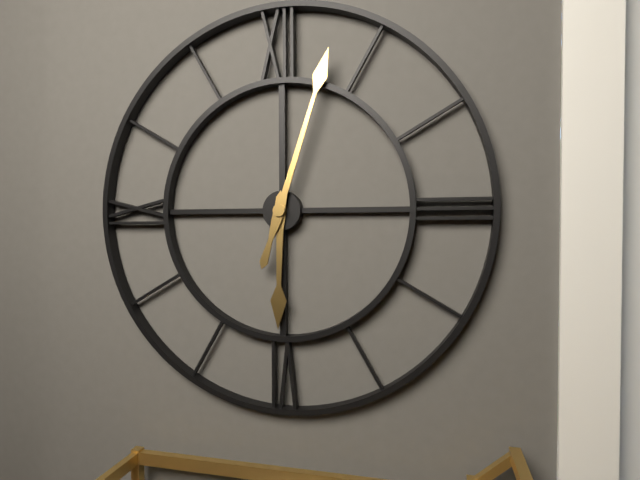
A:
h=6 m=3
